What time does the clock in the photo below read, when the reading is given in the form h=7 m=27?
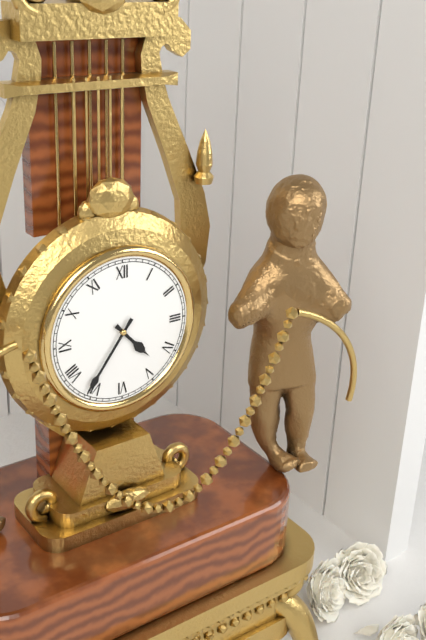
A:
h=4 m=36
